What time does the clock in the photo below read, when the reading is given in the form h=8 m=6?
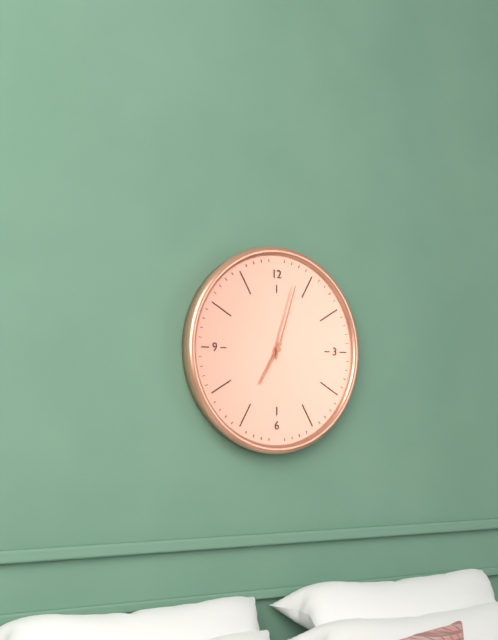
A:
h=7 m=3
